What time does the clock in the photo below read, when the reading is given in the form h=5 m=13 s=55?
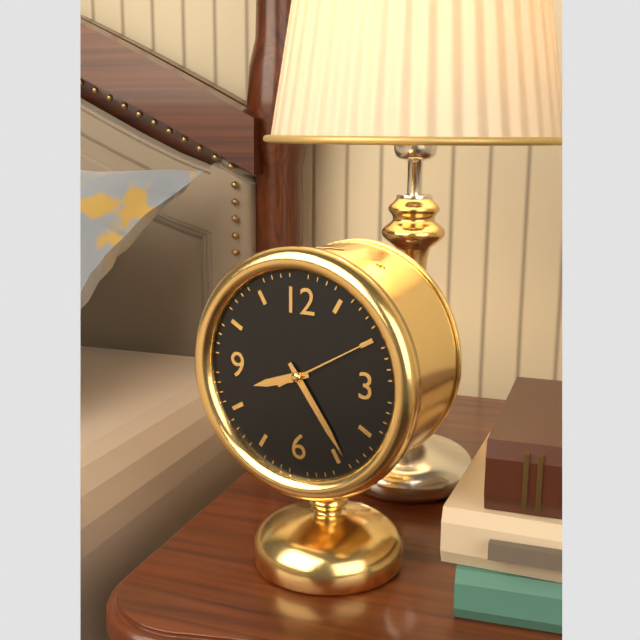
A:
h=8 m=24 s=10
